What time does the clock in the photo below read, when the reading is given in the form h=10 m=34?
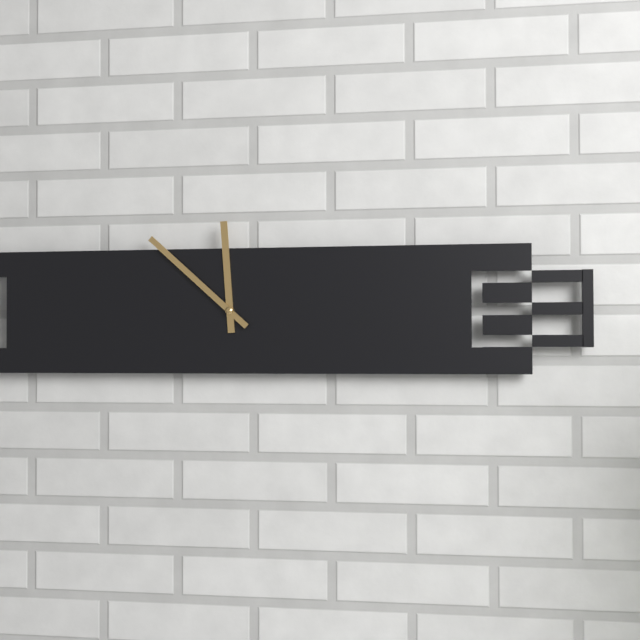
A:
h=11 m=52
